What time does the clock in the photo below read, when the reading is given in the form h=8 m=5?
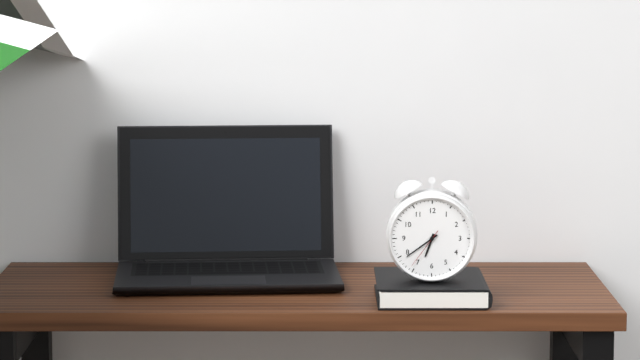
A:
h=6 m=39
